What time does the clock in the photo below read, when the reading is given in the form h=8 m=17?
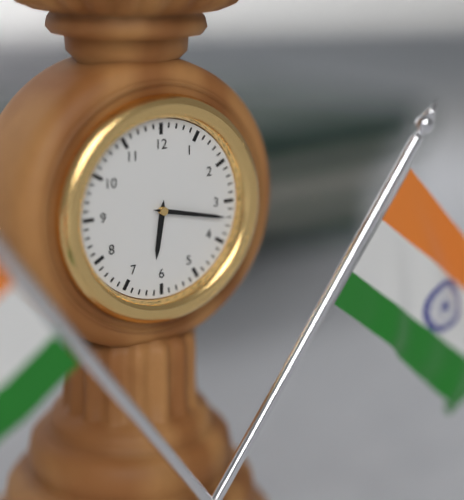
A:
h=6 m=17
